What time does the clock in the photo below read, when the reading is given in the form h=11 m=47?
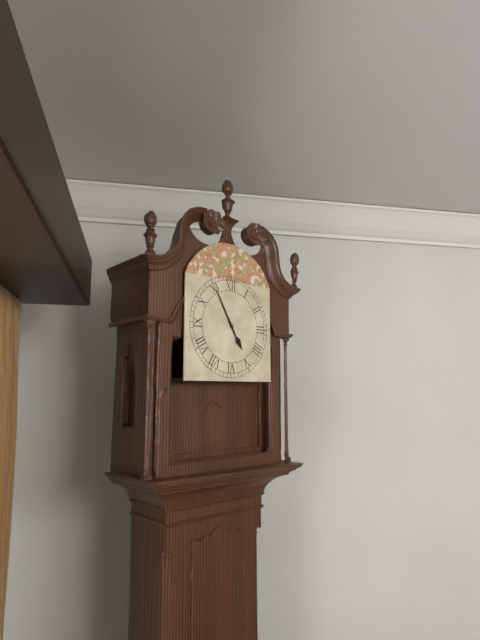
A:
h=4 m=55
